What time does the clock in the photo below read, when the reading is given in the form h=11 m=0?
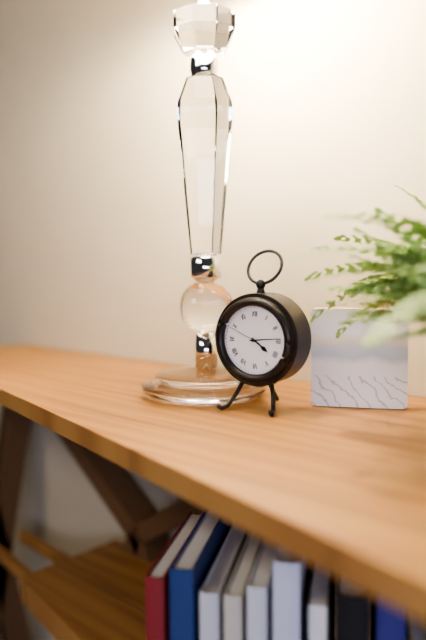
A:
h=4 m=14
